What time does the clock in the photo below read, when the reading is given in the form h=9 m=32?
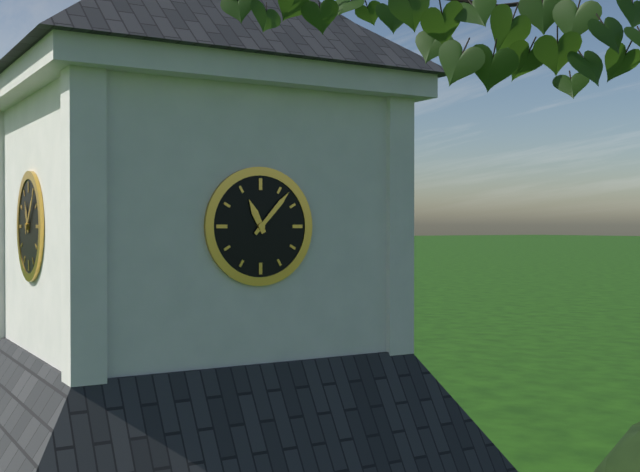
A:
h=11 m=7
